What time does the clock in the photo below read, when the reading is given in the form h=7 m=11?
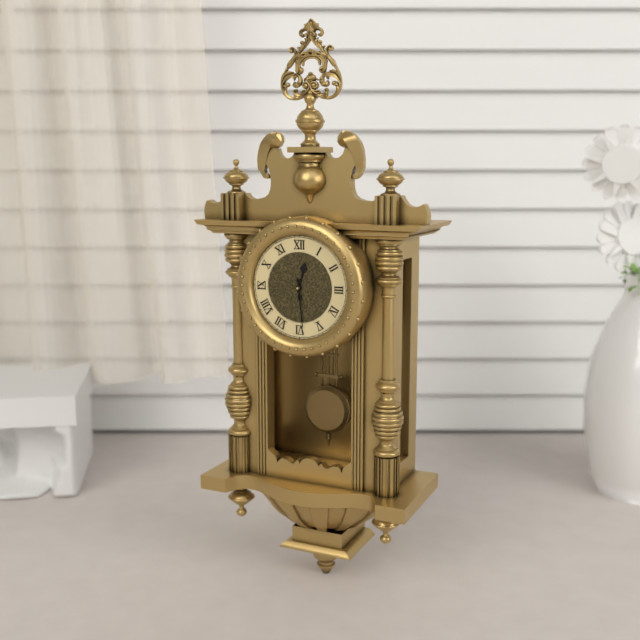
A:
h=12 m=29
